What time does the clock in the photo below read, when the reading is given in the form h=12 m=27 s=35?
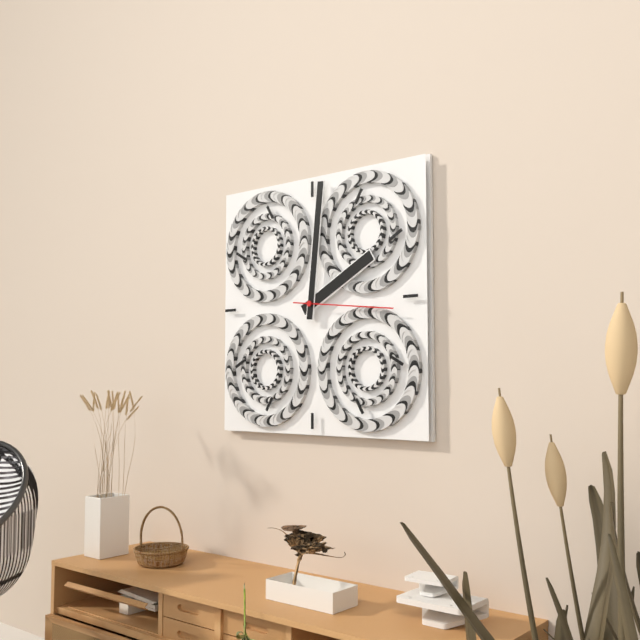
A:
h=2 m=1 s=16
